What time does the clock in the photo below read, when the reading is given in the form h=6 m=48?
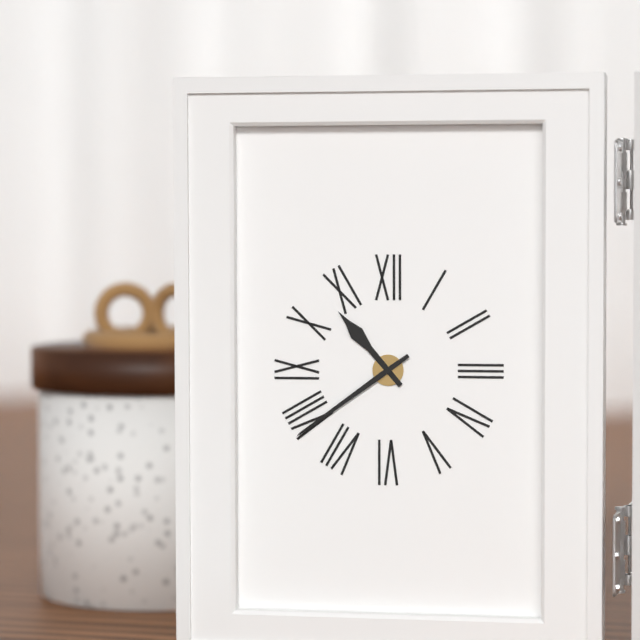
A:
h=10 m=39
